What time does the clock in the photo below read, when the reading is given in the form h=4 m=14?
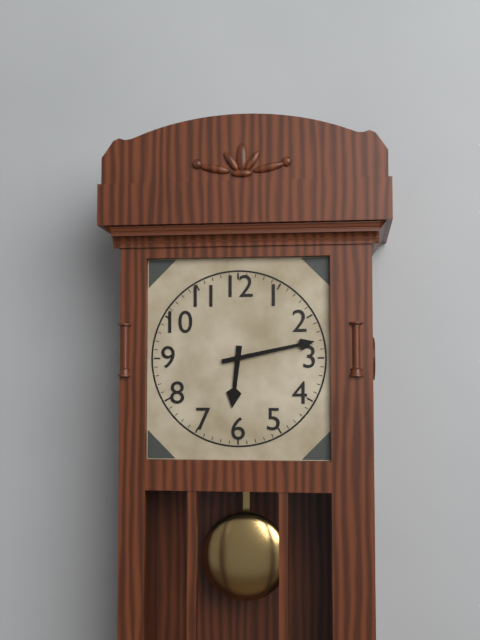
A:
h=6 m=13
